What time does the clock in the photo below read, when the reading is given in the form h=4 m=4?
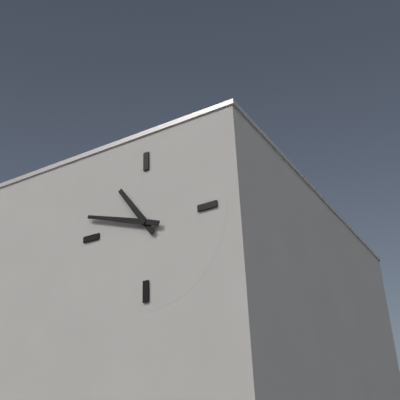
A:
h=10 m=48
